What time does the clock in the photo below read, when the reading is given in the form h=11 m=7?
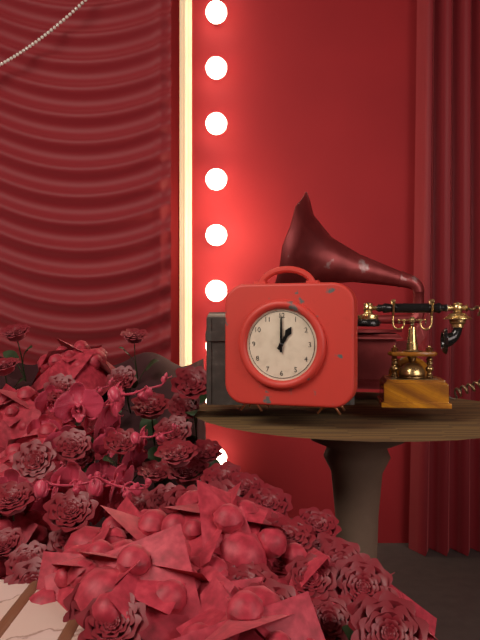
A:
h=1 m=0
